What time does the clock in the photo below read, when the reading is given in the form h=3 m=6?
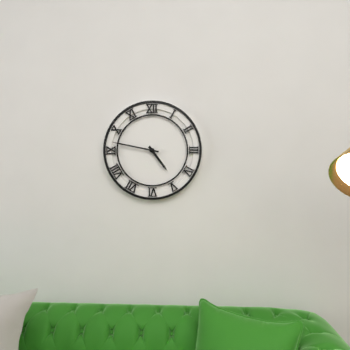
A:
h=4 m=47
